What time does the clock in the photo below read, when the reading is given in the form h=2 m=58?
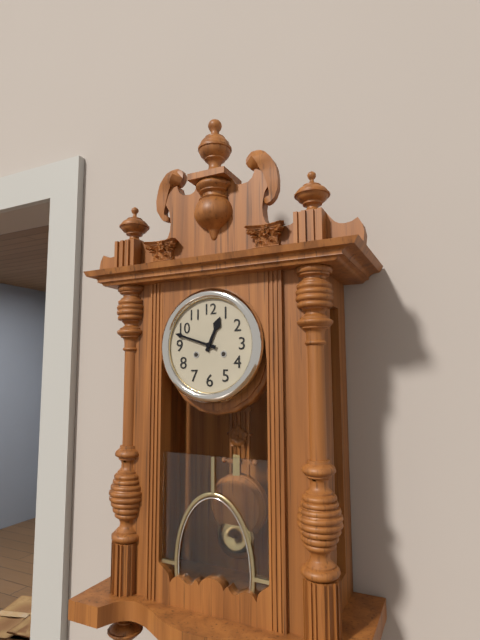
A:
h=12 m=48
